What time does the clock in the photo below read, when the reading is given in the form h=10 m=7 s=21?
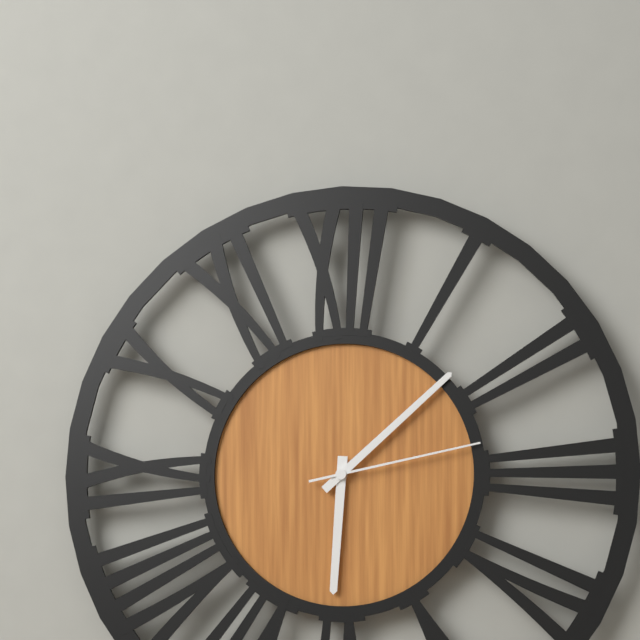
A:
h=6 m=8 s=13
